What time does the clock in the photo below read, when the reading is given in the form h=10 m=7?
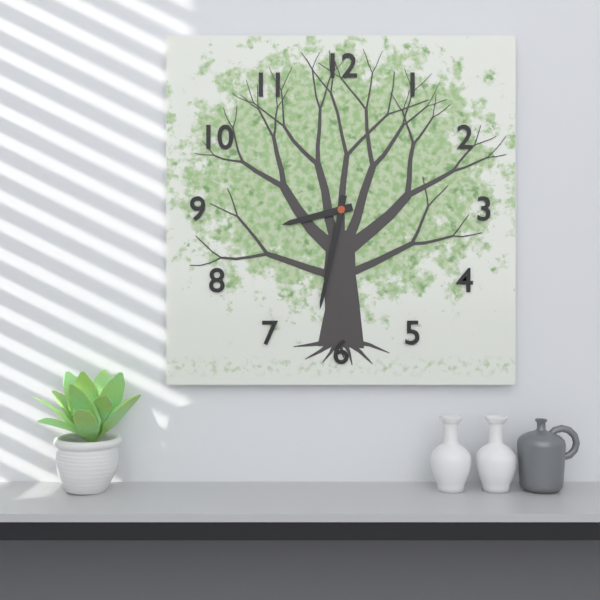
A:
h=8 m=32
